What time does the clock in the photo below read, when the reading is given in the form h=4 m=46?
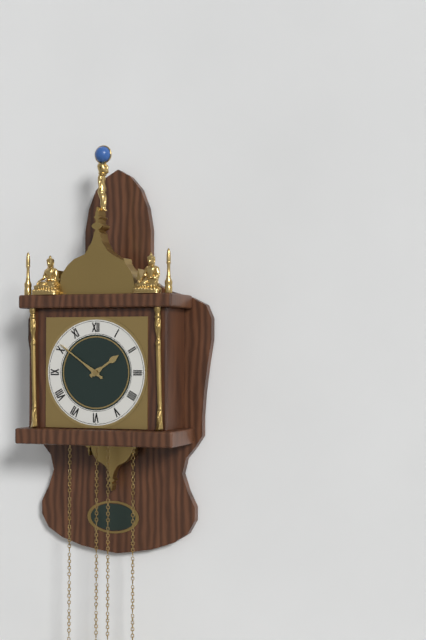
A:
h=1 m=51
